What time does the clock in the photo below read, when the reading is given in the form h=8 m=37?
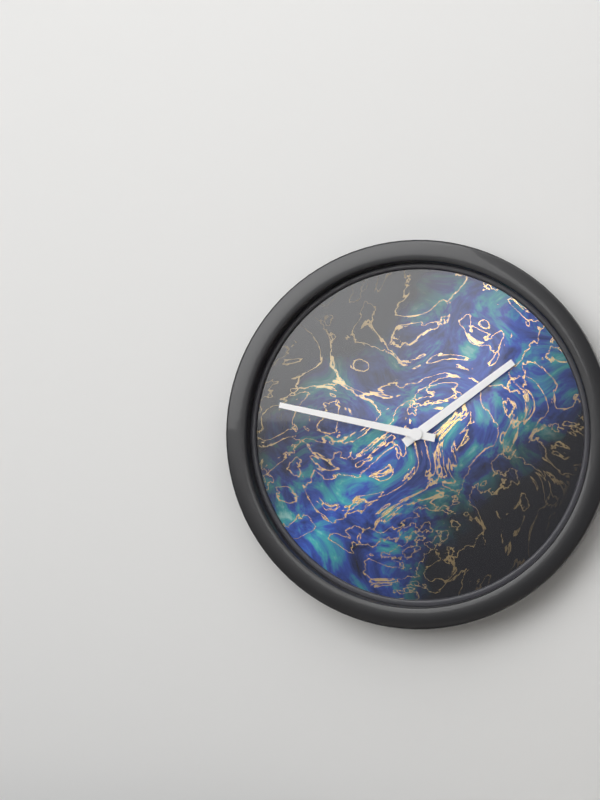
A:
h=1 m=47
